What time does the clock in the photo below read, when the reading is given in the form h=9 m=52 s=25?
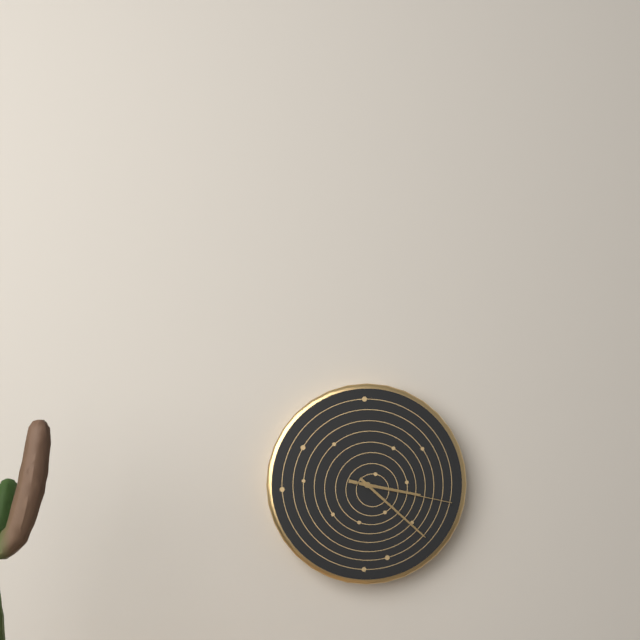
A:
h=3 m=22 s=17
